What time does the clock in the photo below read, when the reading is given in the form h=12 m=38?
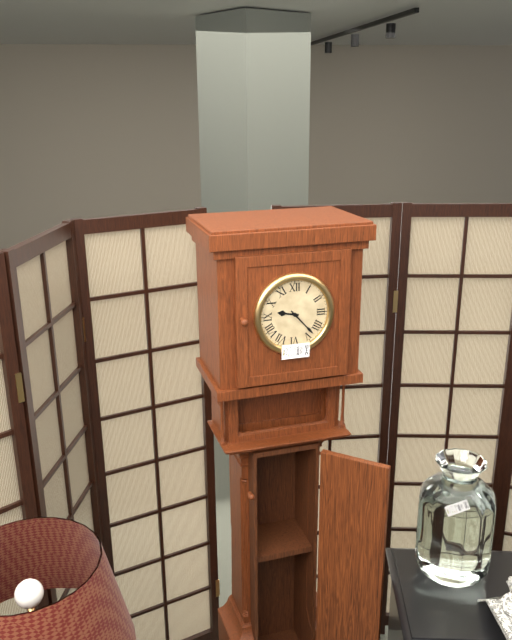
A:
h=9 m=23
